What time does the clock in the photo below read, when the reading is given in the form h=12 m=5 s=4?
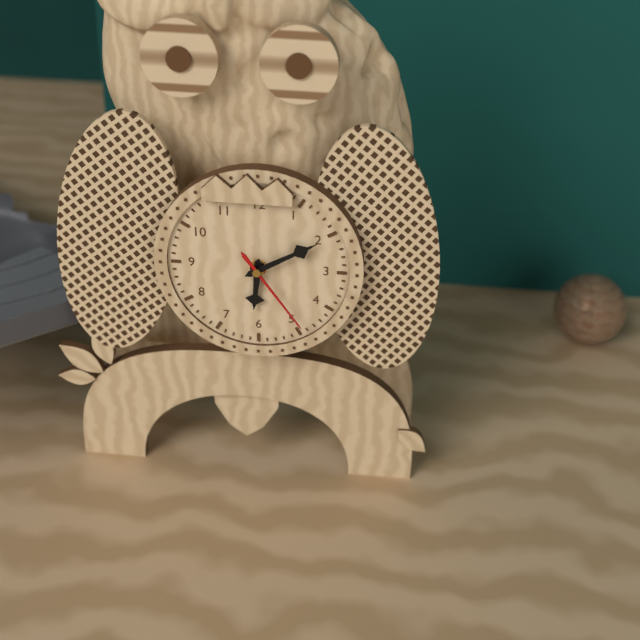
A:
h=6 m=10 s=24
